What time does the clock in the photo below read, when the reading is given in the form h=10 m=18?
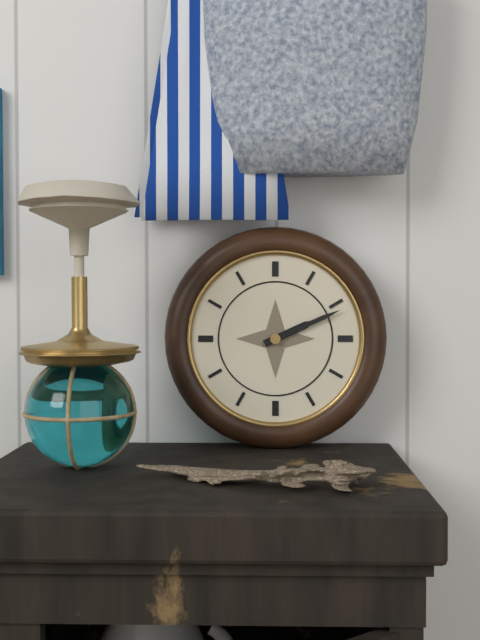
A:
h=2 m=11
